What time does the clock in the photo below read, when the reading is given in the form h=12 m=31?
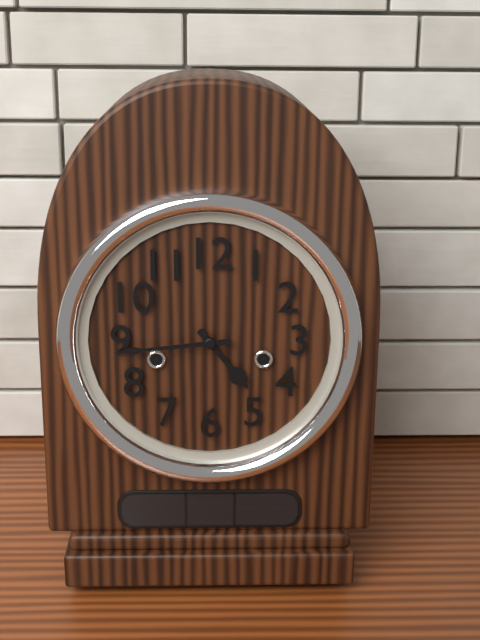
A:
h=4 m=44
